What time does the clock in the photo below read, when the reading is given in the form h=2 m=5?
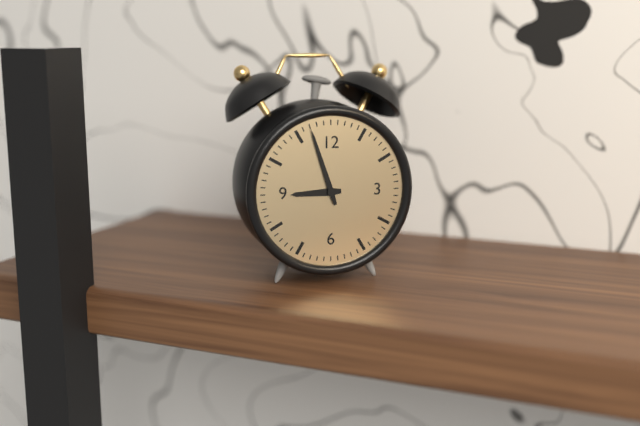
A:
h=8 m=57
